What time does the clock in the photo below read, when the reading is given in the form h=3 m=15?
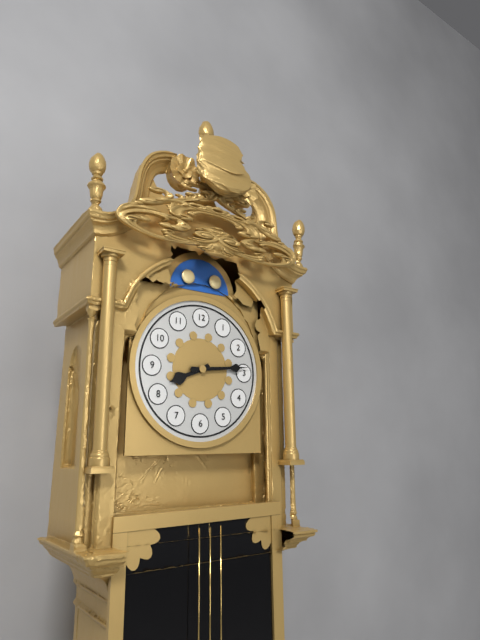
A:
h=8 m=14
